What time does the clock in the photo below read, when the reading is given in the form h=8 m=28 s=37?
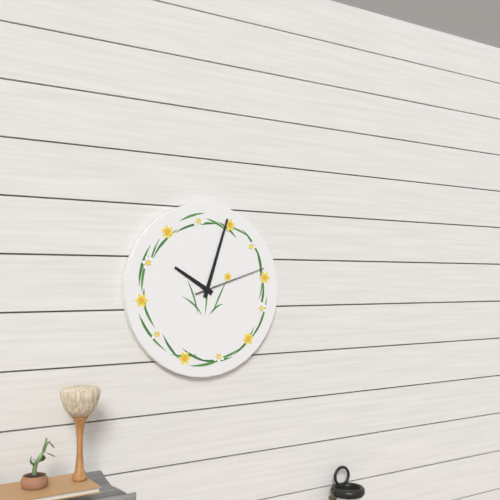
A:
h=10 m=3 s=12
